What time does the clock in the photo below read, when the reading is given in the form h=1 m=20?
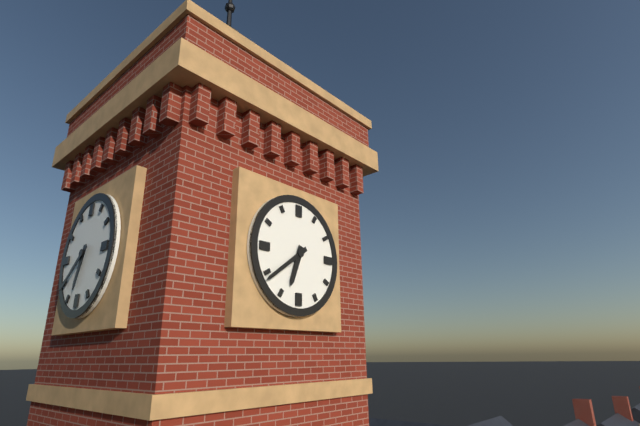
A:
h=6 m=39
